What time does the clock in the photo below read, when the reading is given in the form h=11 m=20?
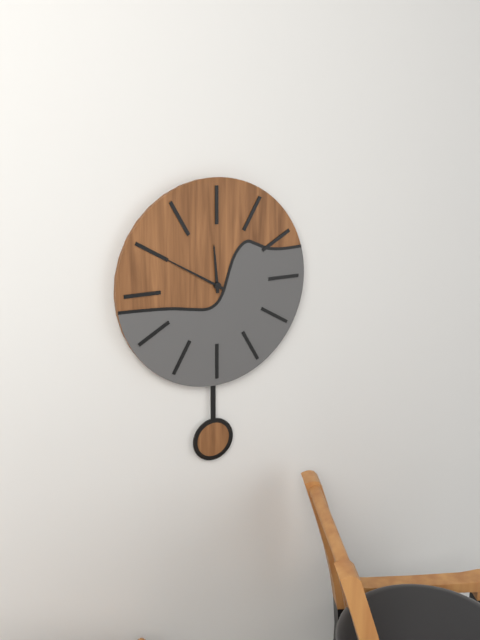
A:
h=11 m=50
